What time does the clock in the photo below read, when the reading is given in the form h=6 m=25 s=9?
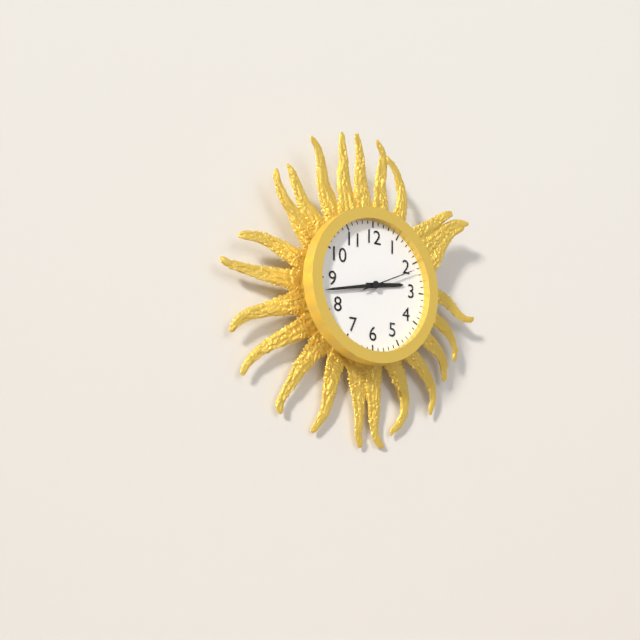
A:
h=2 m=43 s=11
